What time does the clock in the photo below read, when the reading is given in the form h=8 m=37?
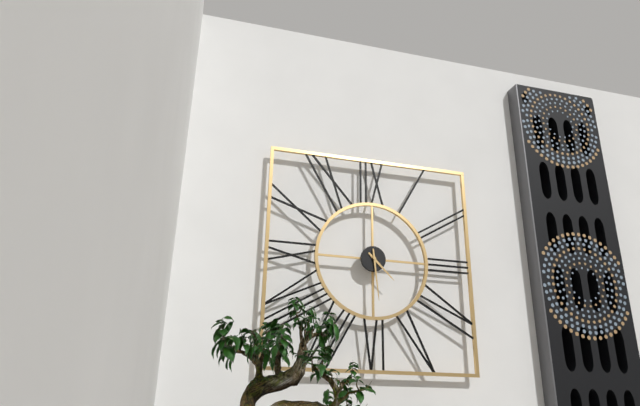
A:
h=4 m=29
